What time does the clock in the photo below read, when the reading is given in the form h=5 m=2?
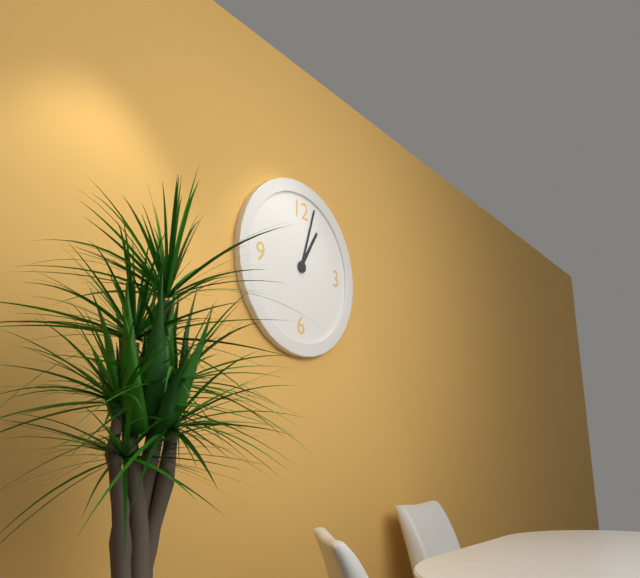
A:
h=1 m=3
